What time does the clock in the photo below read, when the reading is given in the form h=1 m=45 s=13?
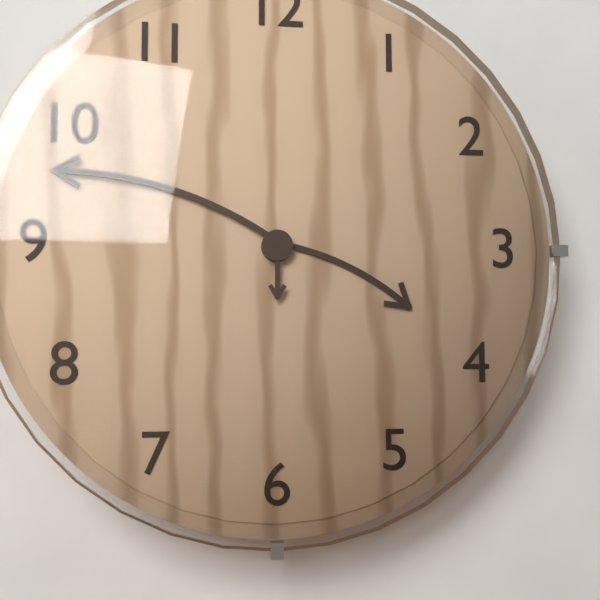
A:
h=3 m=48 s=30
